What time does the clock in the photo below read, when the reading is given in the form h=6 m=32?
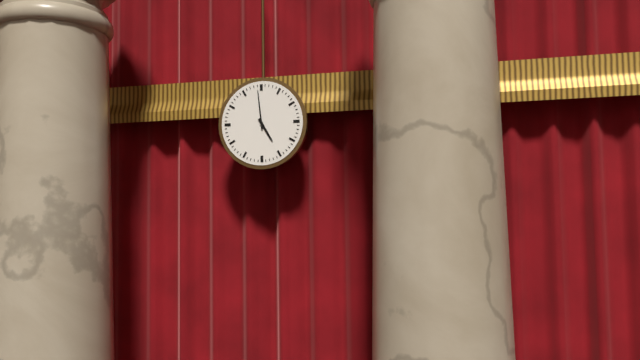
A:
h=4 m=59
